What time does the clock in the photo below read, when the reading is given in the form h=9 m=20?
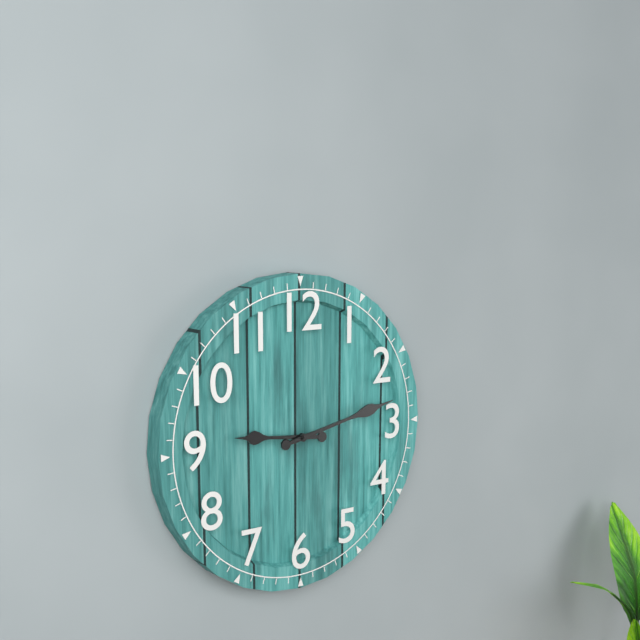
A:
h=9 m=13
